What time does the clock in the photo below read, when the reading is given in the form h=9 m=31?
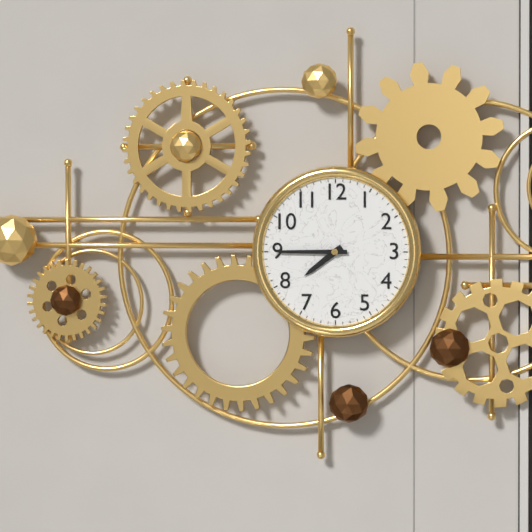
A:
h=7 m=45
